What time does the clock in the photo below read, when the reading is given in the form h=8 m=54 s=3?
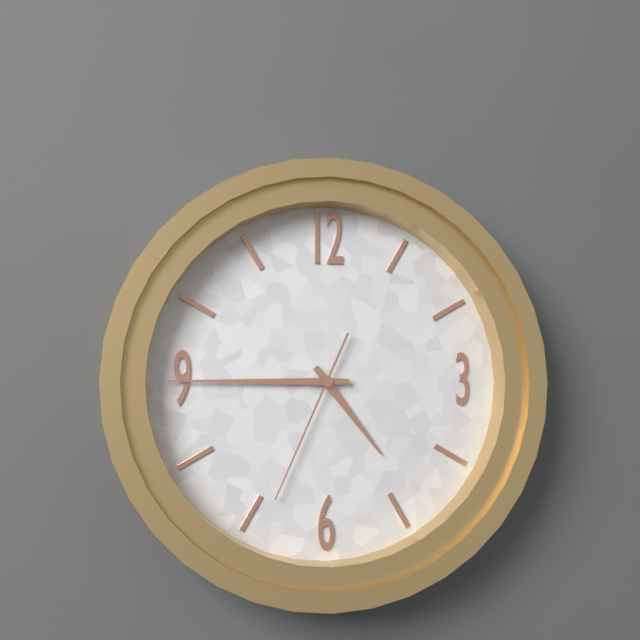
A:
h=4 m=45 s=34
